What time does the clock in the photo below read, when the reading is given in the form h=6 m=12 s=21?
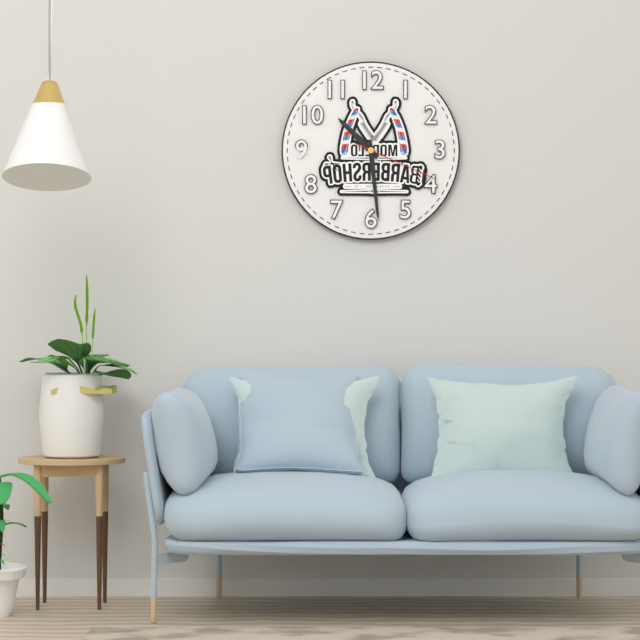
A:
h=10 m=29 s=19
